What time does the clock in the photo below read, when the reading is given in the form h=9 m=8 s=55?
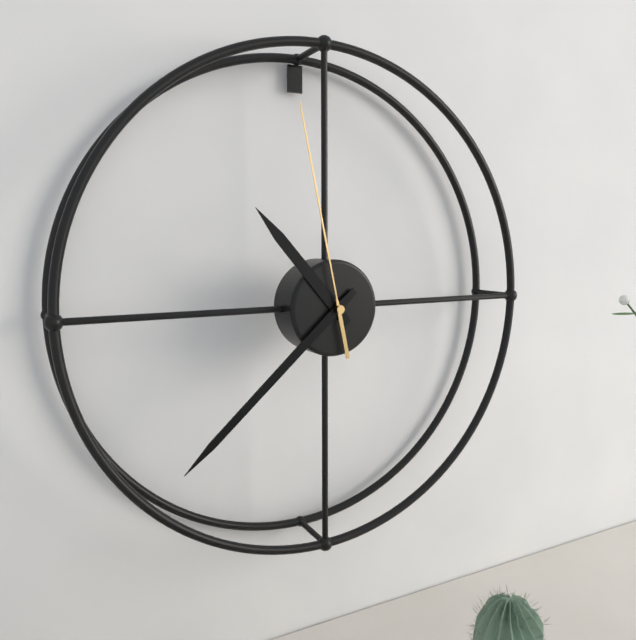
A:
h=10 m=38 s=58
